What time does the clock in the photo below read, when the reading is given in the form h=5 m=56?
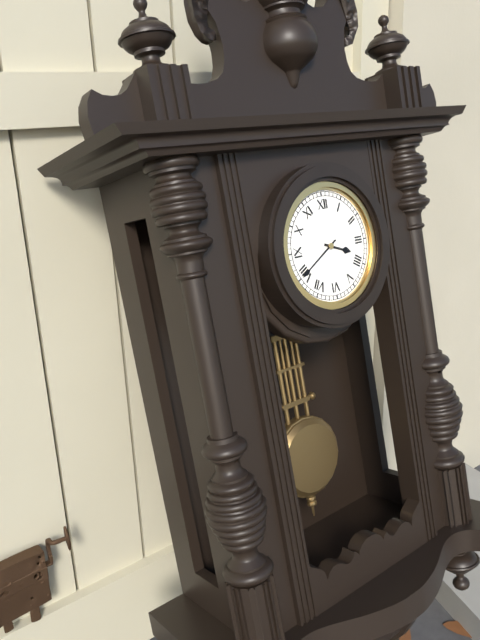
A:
h=3 m=40
